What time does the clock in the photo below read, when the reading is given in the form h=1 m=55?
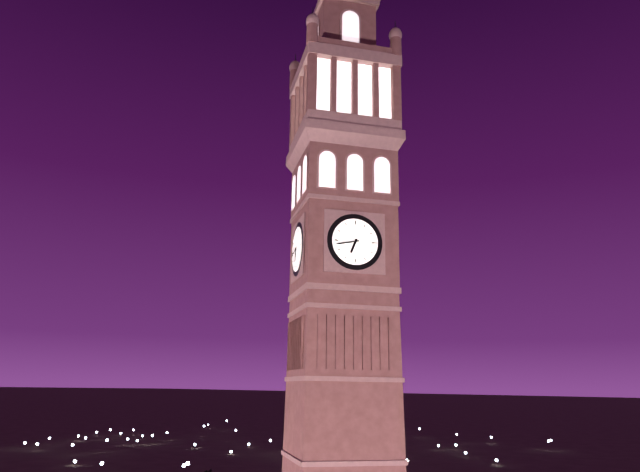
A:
h=6 m=43
